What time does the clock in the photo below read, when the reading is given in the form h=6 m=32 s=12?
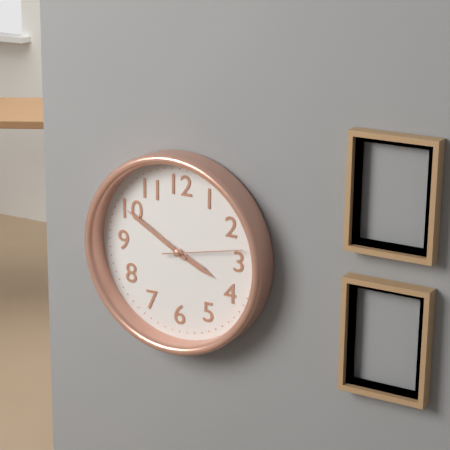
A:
h=3 m=50 s=13
